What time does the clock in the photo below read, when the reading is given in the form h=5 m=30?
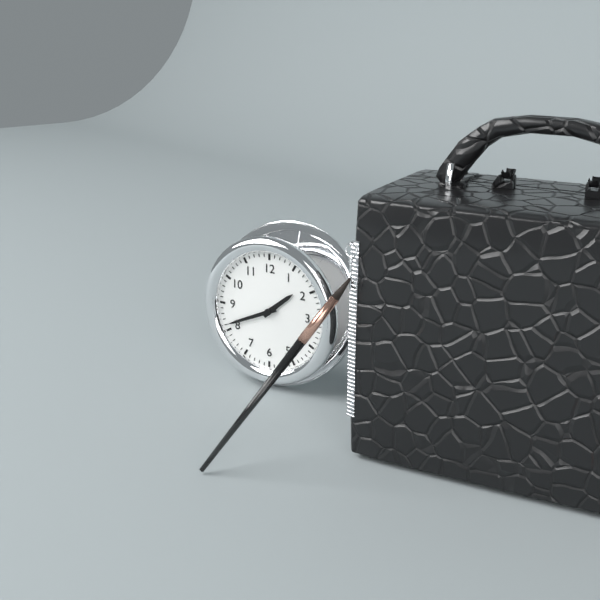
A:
h=1 m=41
